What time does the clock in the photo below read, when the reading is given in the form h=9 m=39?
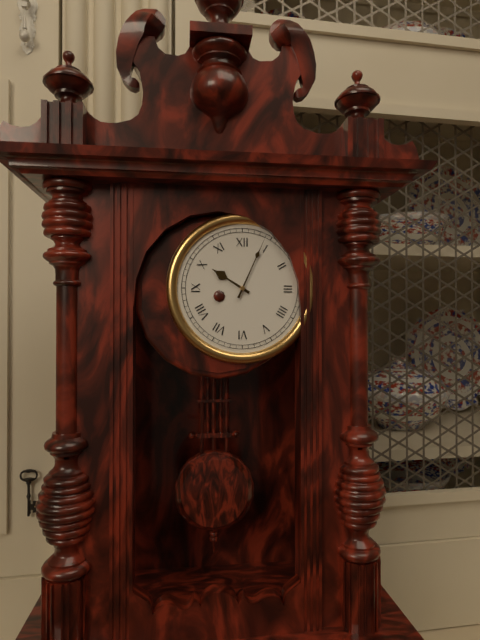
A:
h=10 m=4
